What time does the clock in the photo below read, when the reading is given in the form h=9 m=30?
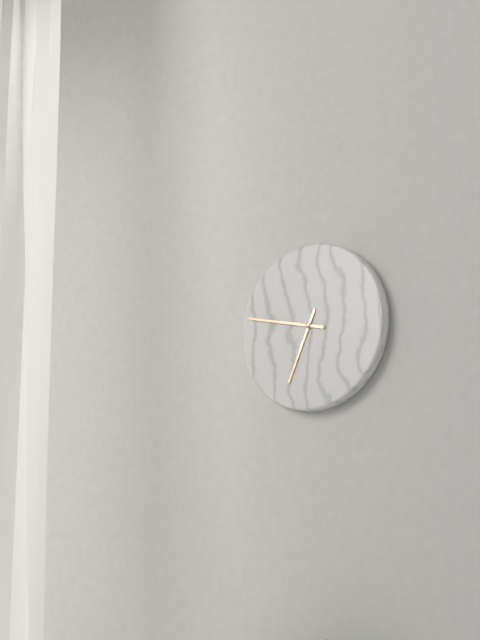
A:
h=6 m=47
